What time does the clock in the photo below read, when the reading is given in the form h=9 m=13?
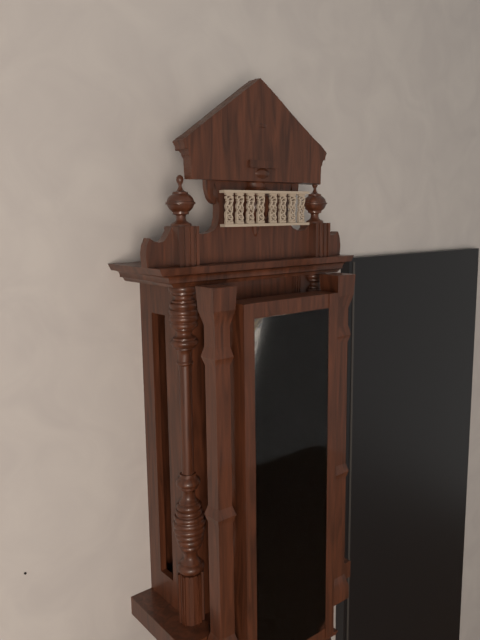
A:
h=10 m=16
